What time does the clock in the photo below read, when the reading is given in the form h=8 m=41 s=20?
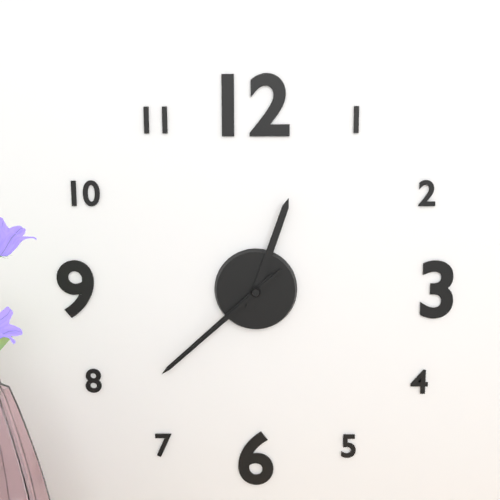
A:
h=12 m=38 s=38
